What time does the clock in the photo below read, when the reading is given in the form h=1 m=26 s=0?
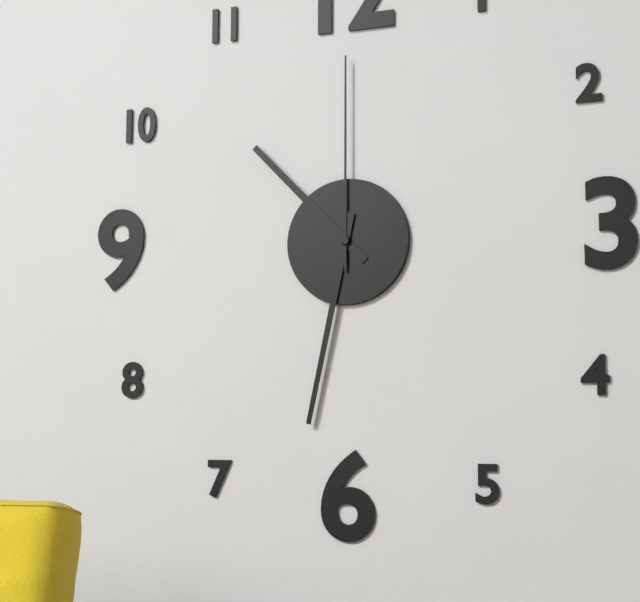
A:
h=10 m=32 s=0
